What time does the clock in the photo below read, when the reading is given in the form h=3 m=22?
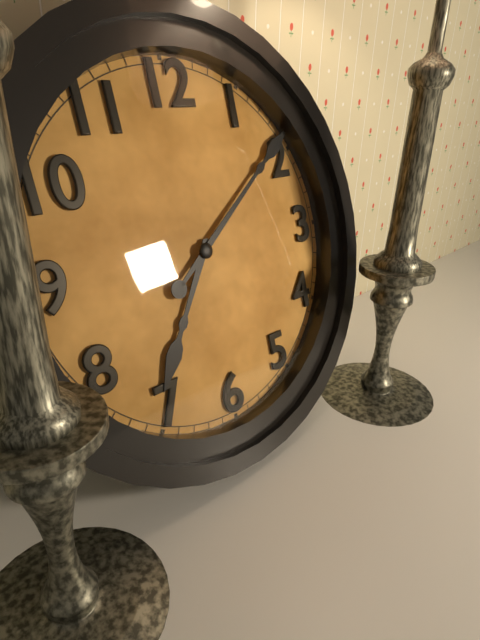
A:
h=7 m=9
